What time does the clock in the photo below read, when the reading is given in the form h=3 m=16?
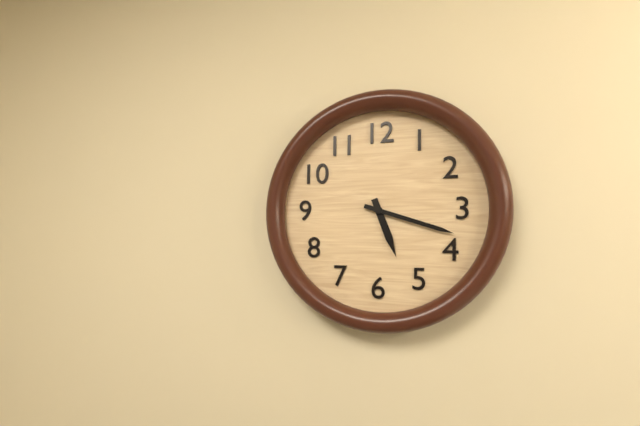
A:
h=5 m=18
